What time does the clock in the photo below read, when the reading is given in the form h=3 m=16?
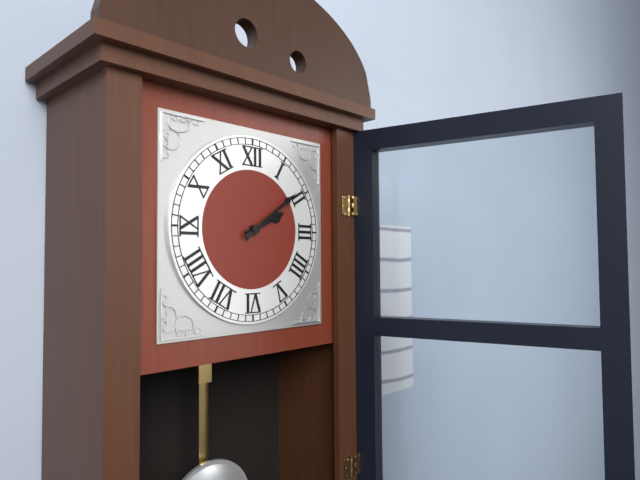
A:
h=2 m=9
